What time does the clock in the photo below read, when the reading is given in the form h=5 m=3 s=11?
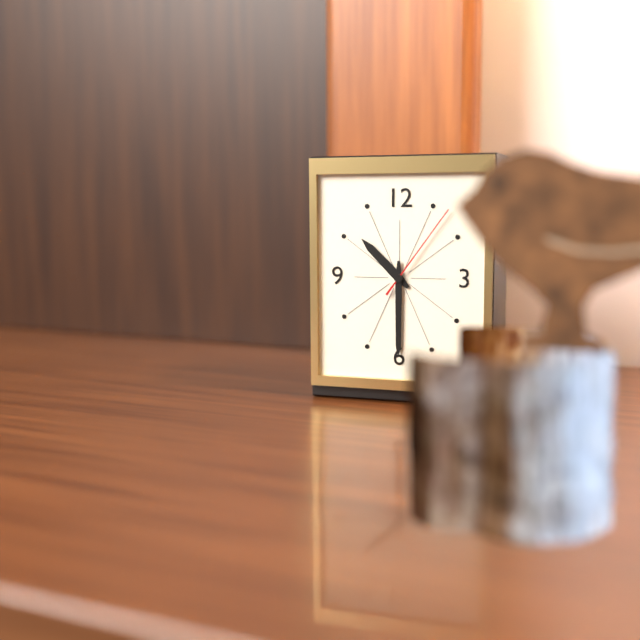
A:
h=10 m=30 s=6
